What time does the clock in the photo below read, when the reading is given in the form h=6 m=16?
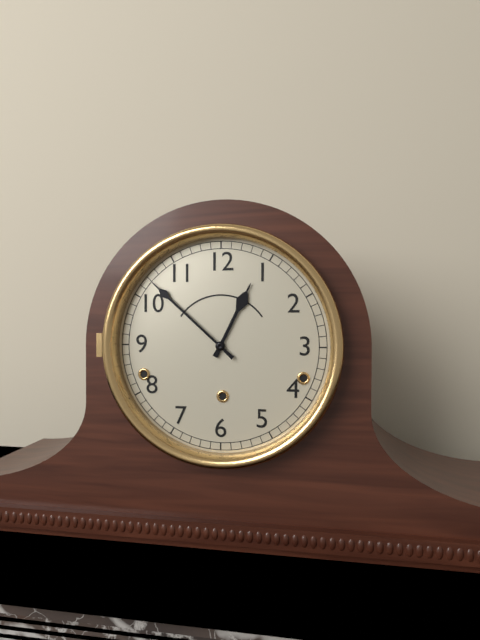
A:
h=12 m=52
